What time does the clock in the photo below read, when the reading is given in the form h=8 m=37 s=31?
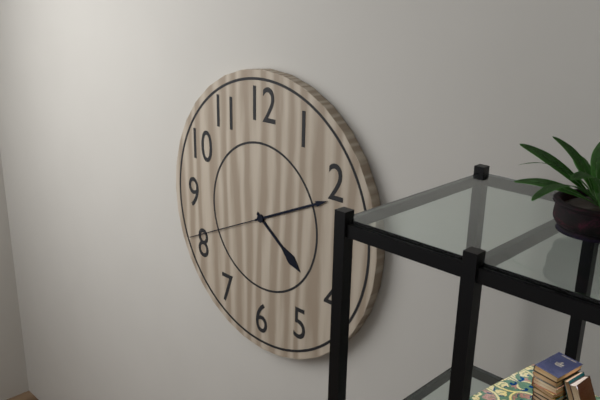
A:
h=4 m=11 s=41
